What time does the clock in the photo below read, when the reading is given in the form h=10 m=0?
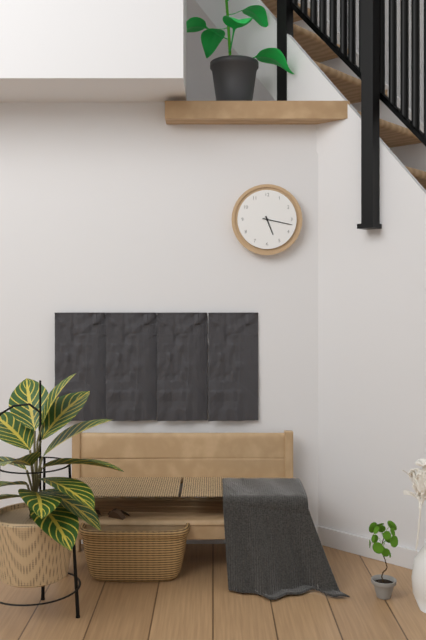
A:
h=5 m=17
